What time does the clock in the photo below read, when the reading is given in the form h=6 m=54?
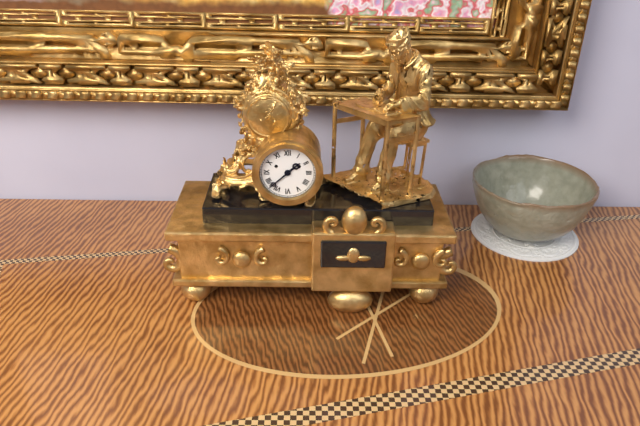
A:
h=1 m=38
